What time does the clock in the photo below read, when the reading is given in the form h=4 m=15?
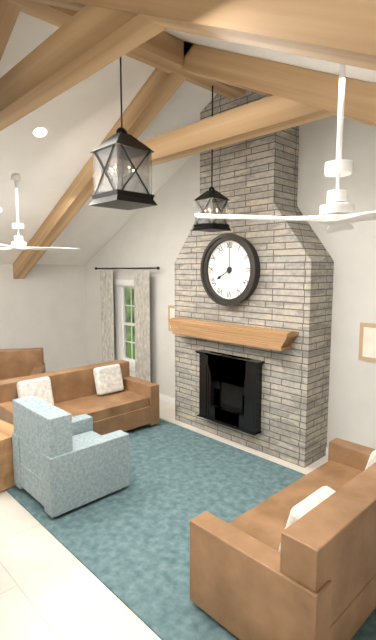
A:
h=8 m=0
